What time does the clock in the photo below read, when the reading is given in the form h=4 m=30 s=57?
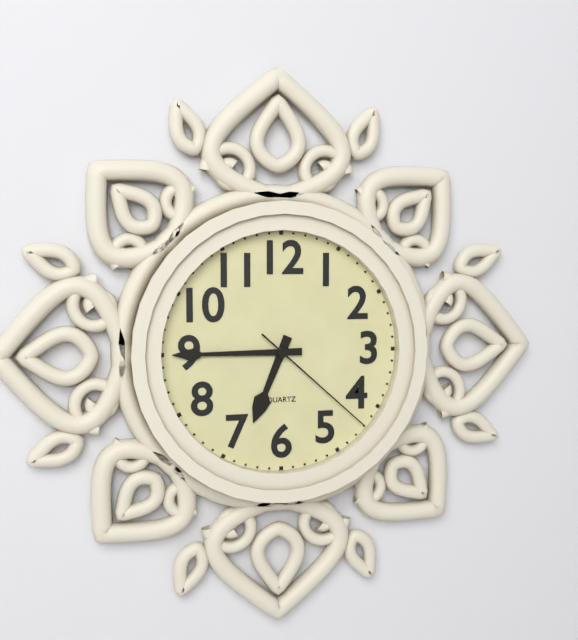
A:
h=6 m=45 s=22
